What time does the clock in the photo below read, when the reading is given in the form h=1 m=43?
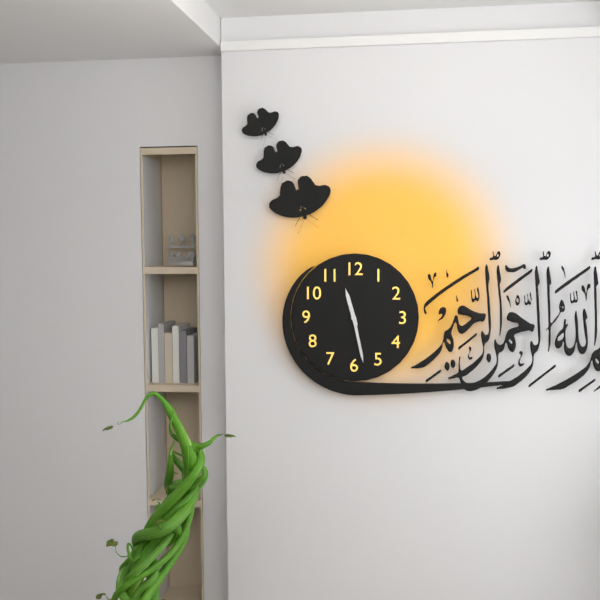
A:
h=11 m=28
